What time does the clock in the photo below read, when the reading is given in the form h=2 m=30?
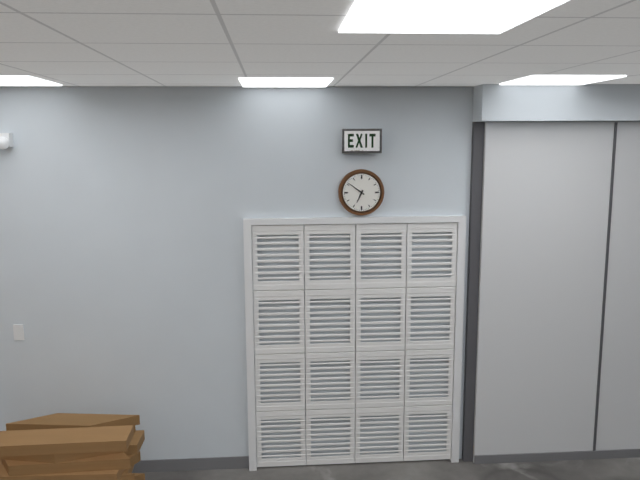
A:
h=6 m=51
